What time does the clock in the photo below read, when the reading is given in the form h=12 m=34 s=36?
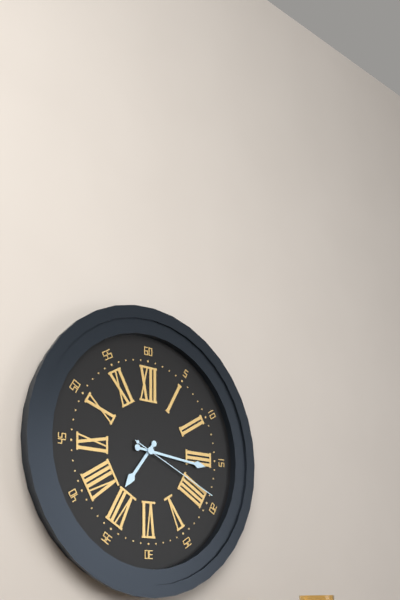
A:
h=7 m=16 s=19
